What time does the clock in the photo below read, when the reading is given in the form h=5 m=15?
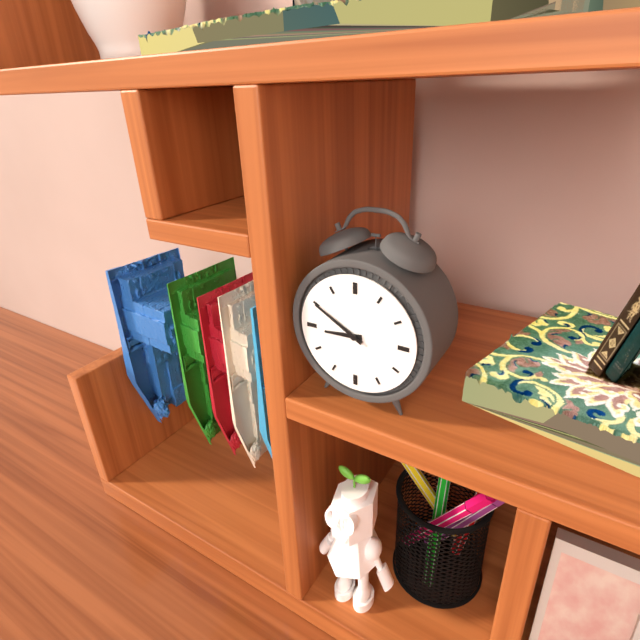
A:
h=8 m=50
